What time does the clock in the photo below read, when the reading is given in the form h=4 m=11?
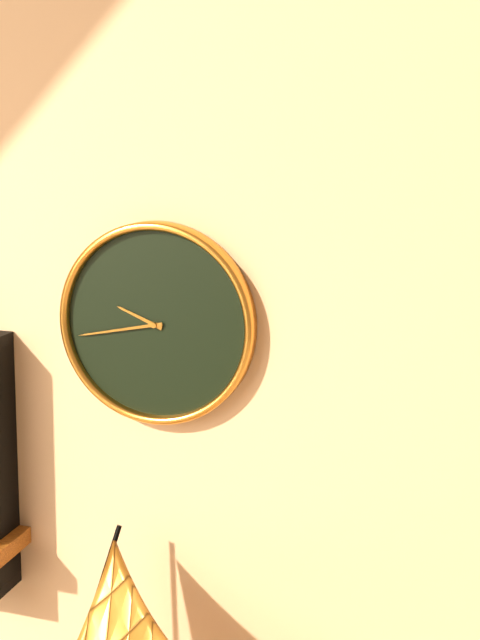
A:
h=9 m=43
